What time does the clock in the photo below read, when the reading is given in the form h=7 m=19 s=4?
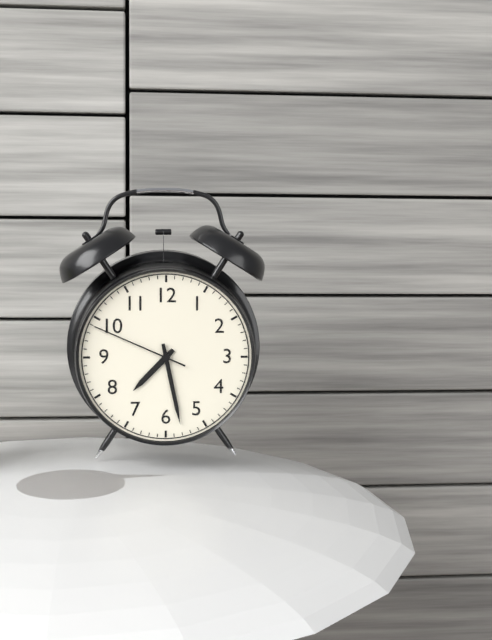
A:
h=7 m=28 s=49
